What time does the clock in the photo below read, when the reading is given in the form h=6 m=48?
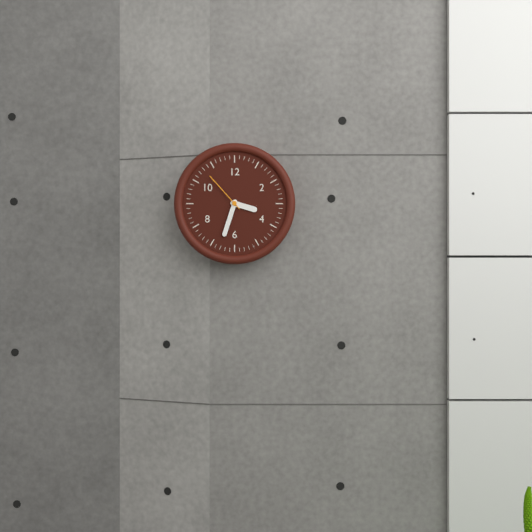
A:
h=3 m=33
